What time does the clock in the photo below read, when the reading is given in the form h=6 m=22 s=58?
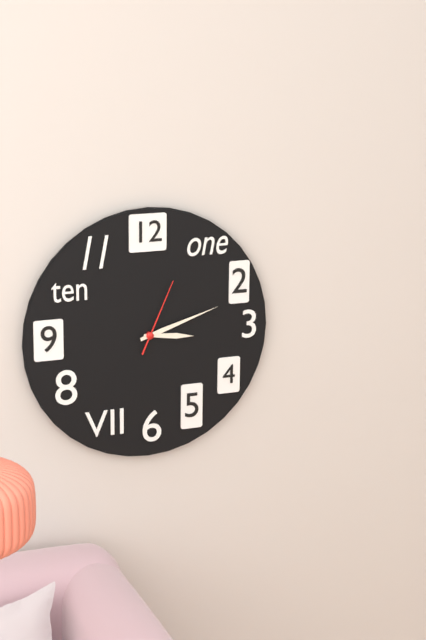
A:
h=3 m=12 s=4
